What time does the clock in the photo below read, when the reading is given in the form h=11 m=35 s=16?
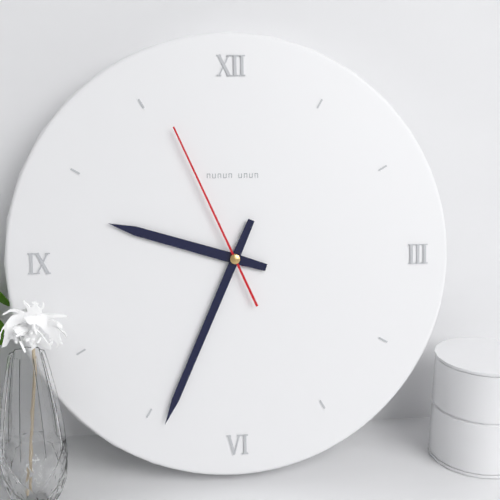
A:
h=9 m=34 s=56
